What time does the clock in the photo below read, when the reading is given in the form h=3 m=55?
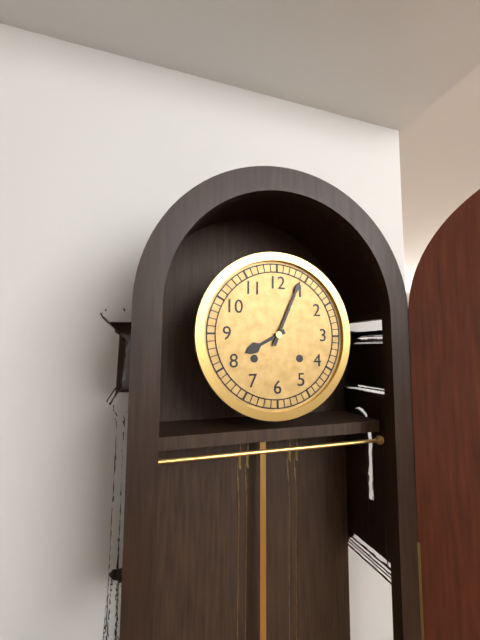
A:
h=8 m=4
